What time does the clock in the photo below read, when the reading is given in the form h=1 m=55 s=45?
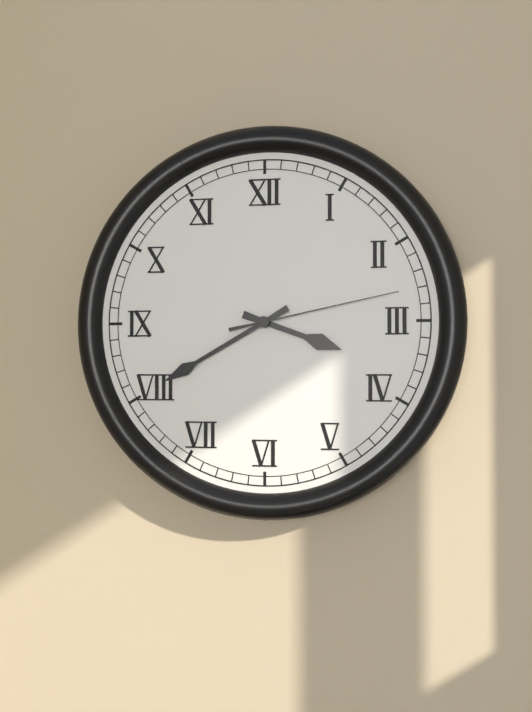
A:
h=3 m=40 s=13
